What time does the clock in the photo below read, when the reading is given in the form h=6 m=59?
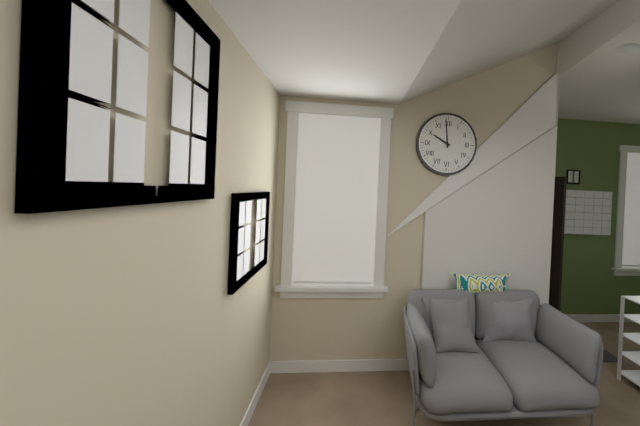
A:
h=9 m=59
